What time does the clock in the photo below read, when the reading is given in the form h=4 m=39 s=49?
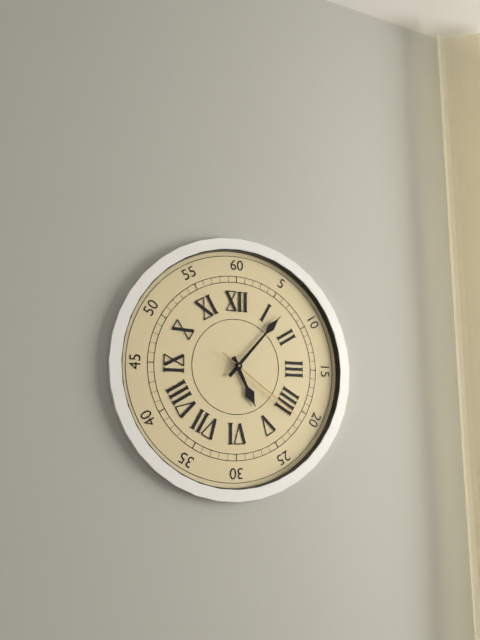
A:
h=5 m=7 s=21
